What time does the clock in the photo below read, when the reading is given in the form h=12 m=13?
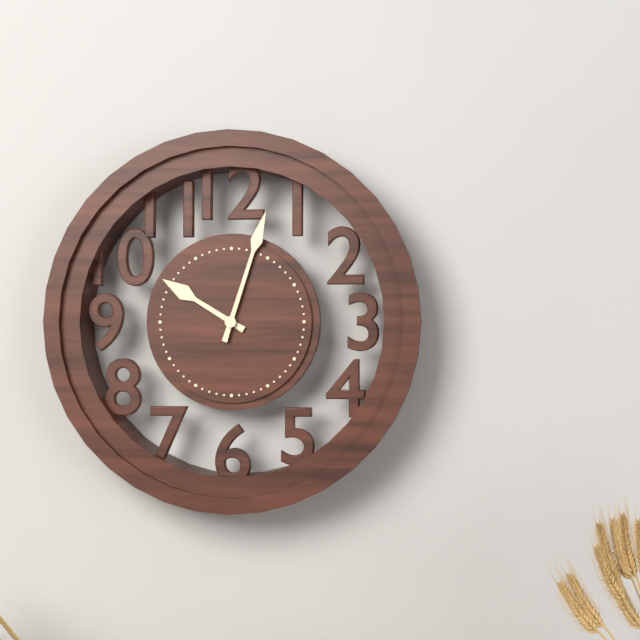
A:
h=10 m=3
